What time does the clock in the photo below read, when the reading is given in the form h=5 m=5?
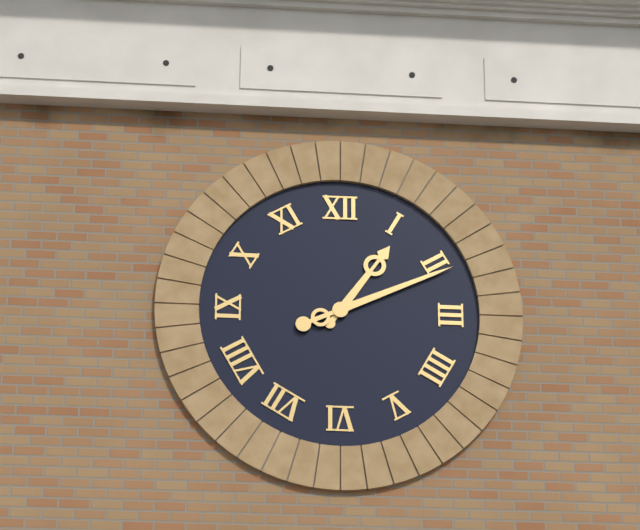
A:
h=1 m=11
